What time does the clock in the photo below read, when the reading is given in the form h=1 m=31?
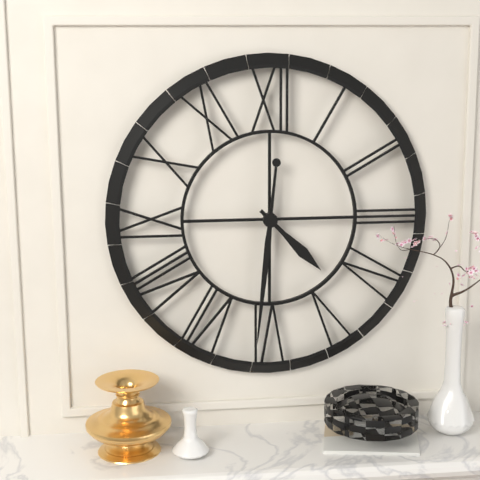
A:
h=4 m=31
